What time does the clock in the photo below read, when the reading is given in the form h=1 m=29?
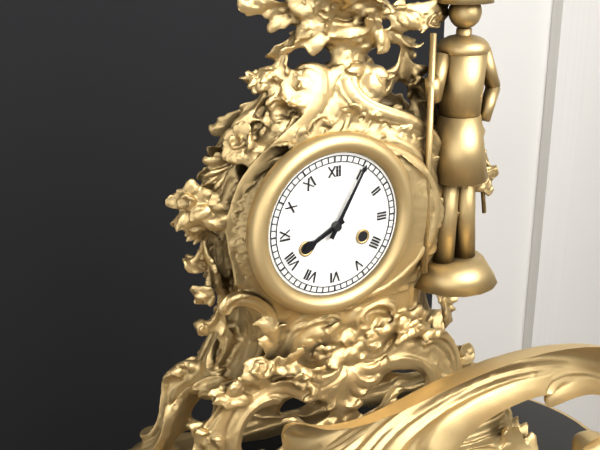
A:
h=8 m=5
